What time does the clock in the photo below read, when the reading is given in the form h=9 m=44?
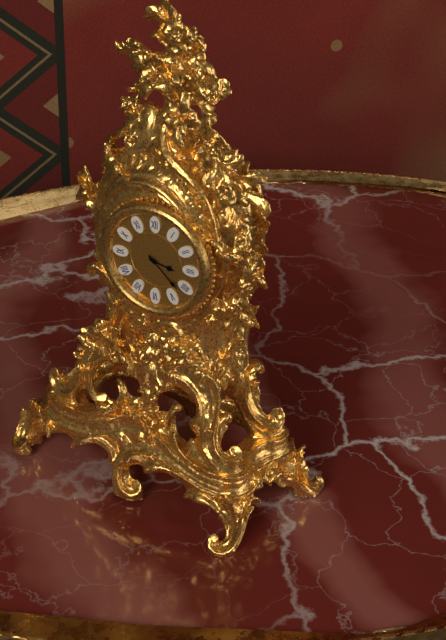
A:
h=3 m=22
